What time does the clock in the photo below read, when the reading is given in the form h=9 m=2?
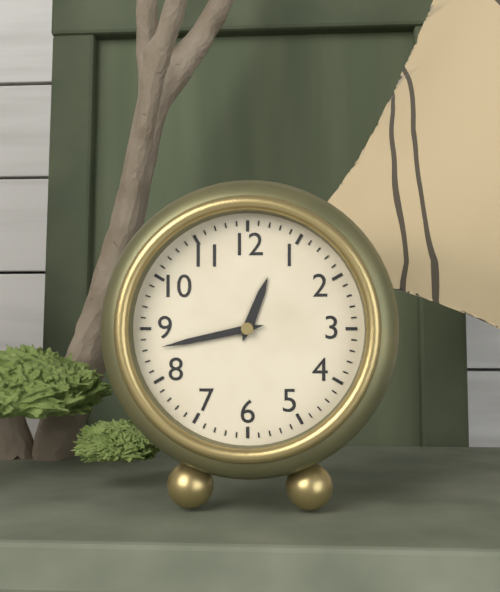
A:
h=12 m=43
